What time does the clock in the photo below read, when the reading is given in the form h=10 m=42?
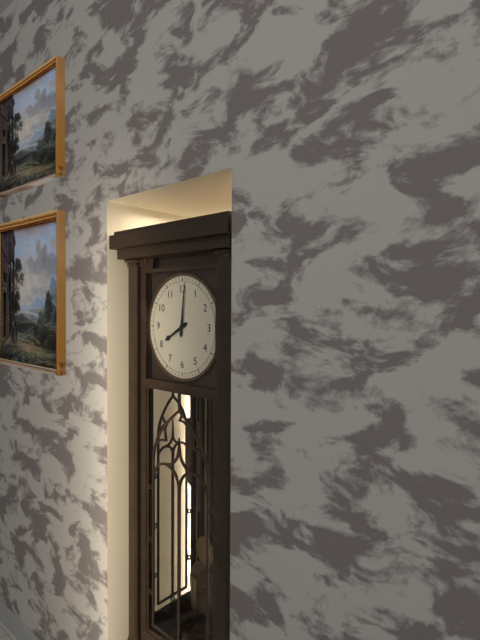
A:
h=8 m=1
